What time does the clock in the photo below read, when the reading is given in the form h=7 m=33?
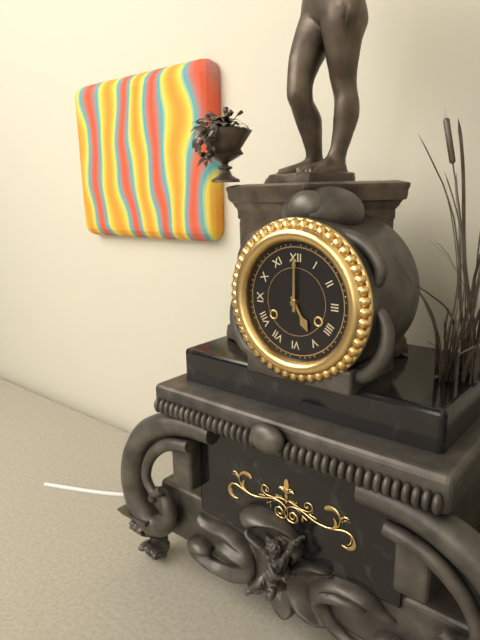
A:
h=5 m=0
